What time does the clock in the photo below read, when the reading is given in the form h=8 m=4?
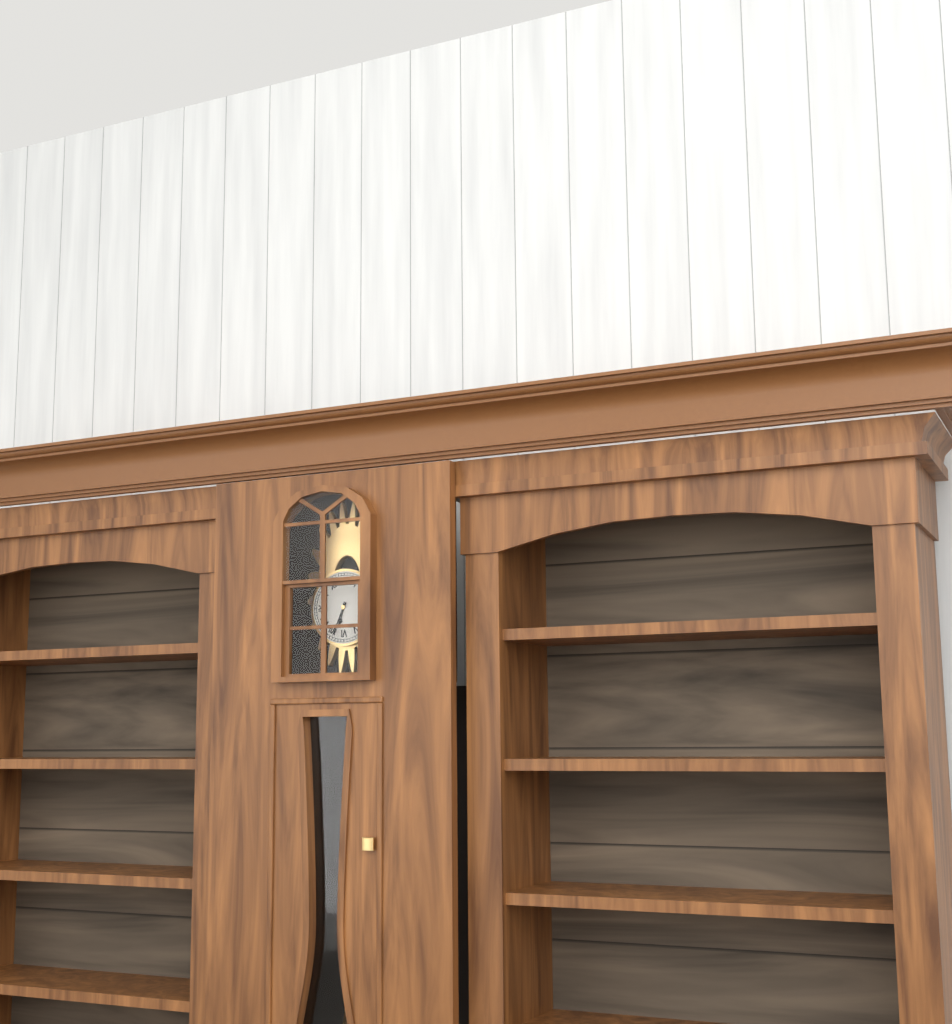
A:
h=6 m=34
